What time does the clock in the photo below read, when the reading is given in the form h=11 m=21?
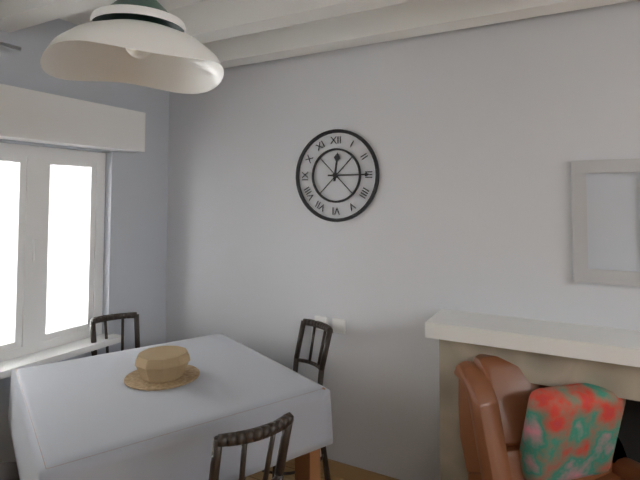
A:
h=12 m=15
